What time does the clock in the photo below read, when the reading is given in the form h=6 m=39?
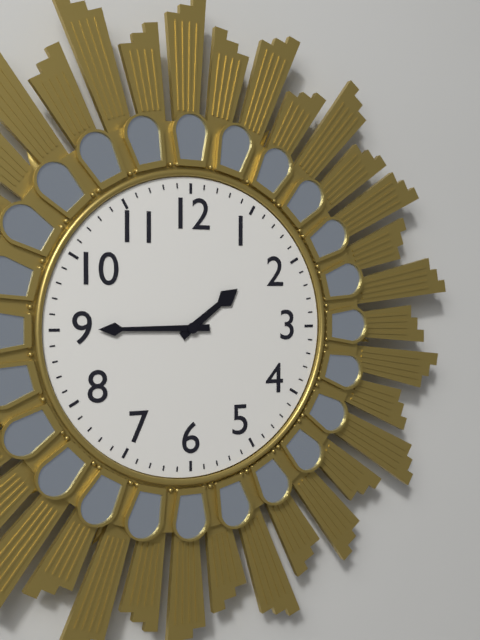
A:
h=1 m=45
